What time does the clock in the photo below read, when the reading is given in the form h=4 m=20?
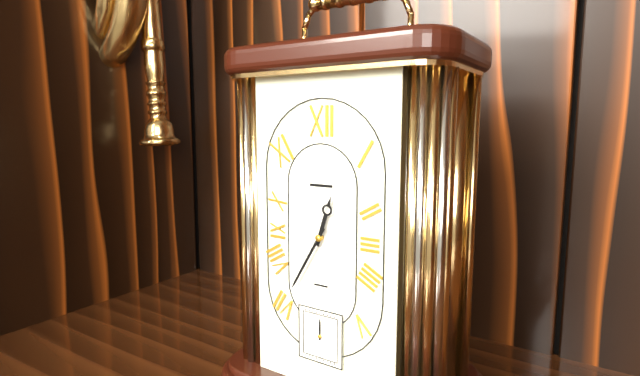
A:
h=12 m=35
